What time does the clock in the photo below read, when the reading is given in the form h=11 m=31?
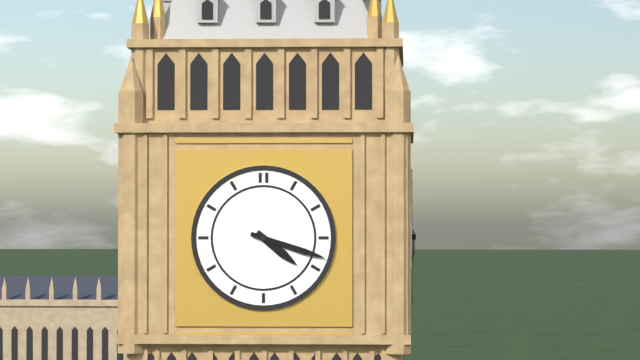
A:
h=4 m=18
